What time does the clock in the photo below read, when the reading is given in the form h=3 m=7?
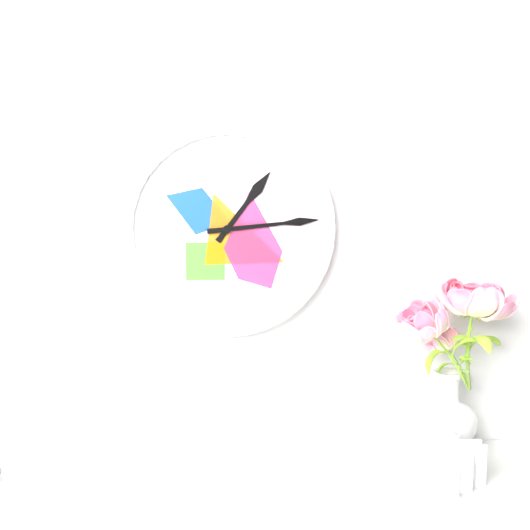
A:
h=1 m=14
